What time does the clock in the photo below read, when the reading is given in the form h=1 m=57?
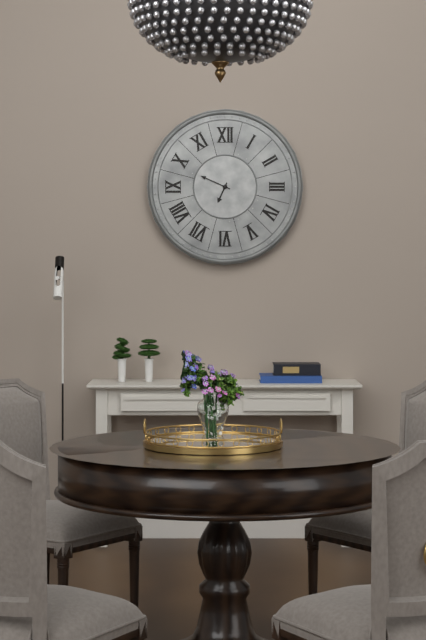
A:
h=6 m=49
